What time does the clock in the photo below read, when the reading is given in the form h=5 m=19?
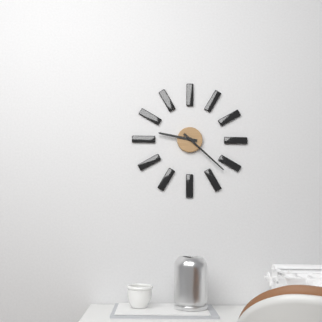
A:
h=9 m=22
